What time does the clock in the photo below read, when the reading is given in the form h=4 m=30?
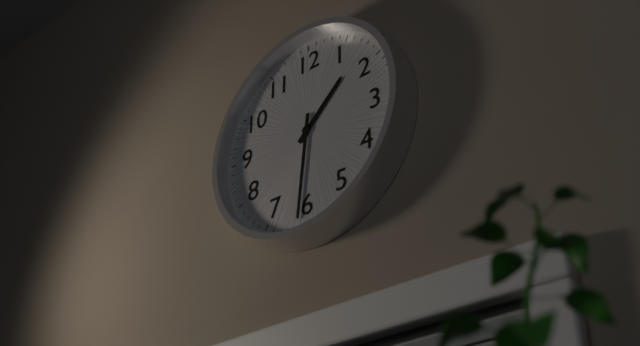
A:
h=1 m=31
